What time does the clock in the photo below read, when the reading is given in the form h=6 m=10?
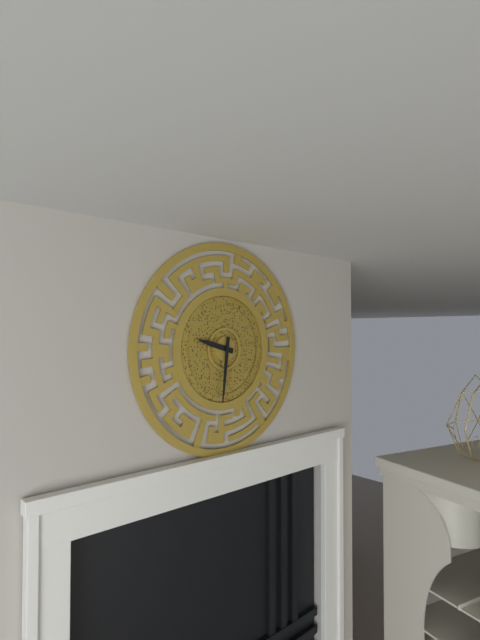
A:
h=9 m=31
